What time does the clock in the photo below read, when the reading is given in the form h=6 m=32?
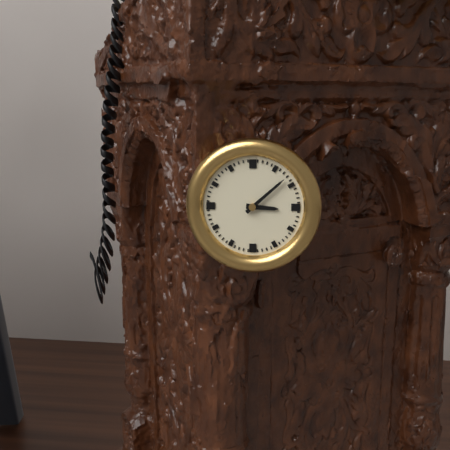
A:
h=3 m=8
